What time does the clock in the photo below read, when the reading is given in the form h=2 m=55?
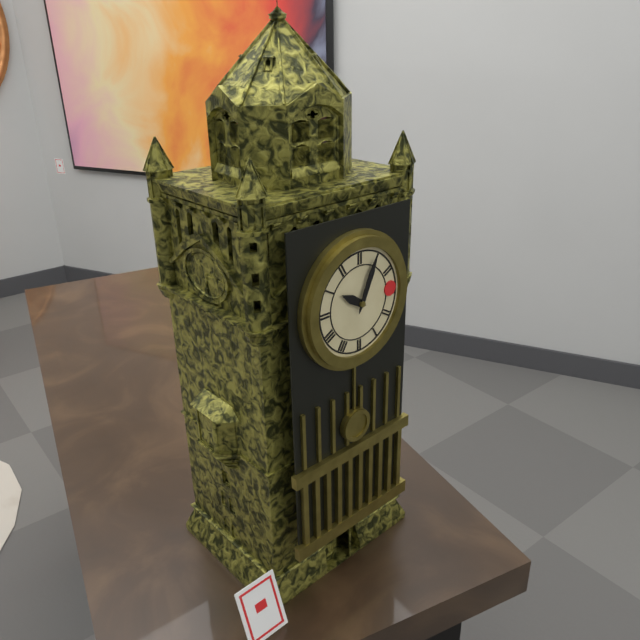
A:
h=10 m=4
